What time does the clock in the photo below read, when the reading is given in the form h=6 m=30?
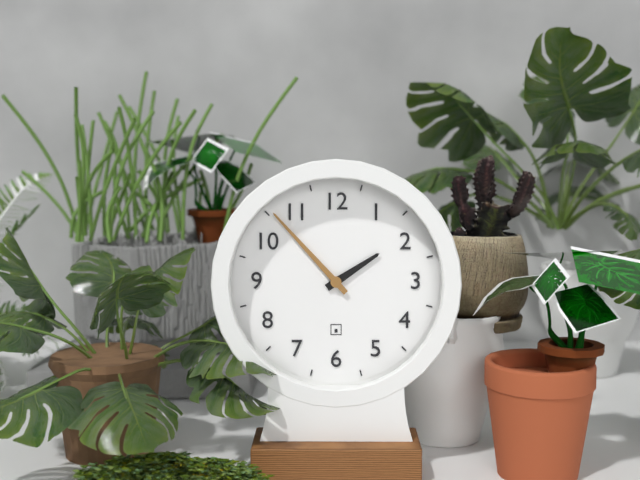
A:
h=1 m=53
